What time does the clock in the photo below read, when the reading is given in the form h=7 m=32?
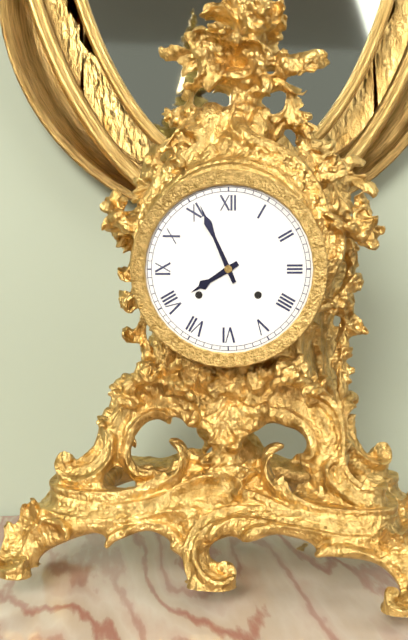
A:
h=7 m=56
